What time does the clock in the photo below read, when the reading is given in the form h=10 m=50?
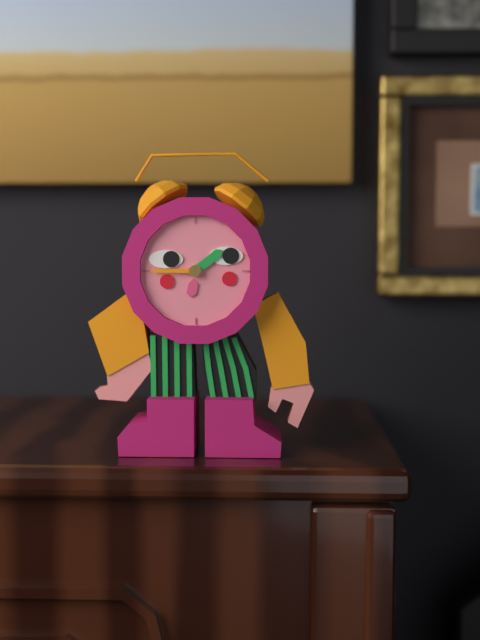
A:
h=1 m=45
